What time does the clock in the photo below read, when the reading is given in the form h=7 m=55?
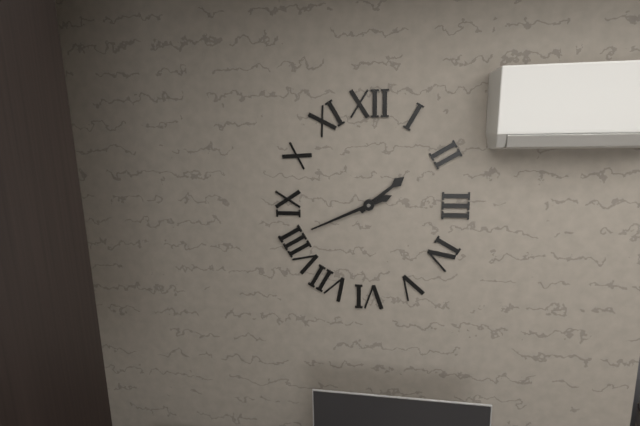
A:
h=1 m=41
